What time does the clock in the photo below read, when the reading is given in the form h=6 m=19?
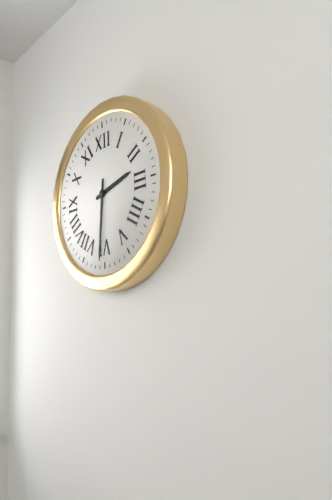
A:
h=2 m=31
